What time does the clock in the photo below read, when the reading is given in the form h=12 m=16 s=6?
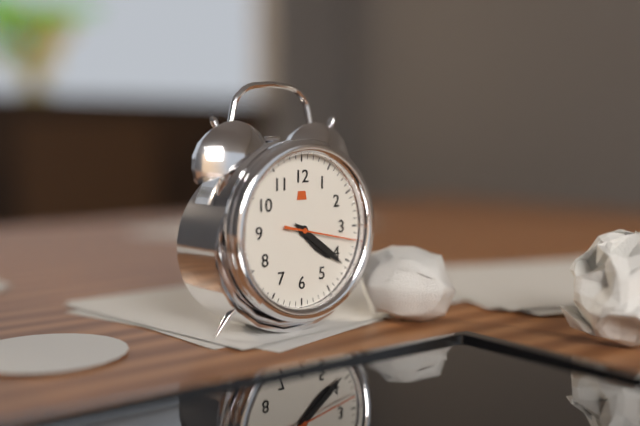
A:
h=4 m=21 s=17
